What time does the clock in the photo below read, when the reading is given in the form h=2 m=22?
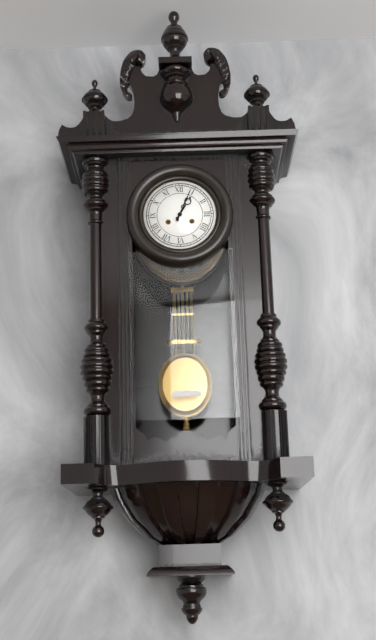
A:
h=1 m=4
